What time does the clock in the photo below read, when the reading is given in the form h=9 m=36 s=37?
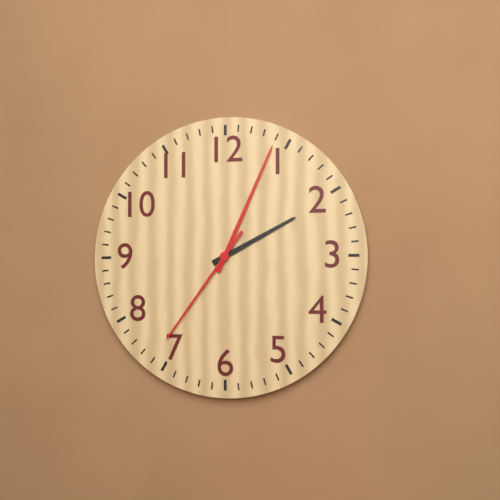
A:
h=2 m=4 s=36
